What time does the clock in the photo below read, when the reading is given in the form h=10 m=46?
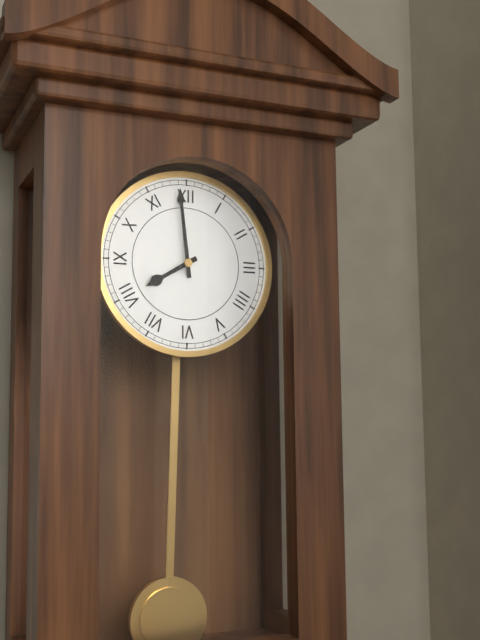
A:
h=7 m=59
